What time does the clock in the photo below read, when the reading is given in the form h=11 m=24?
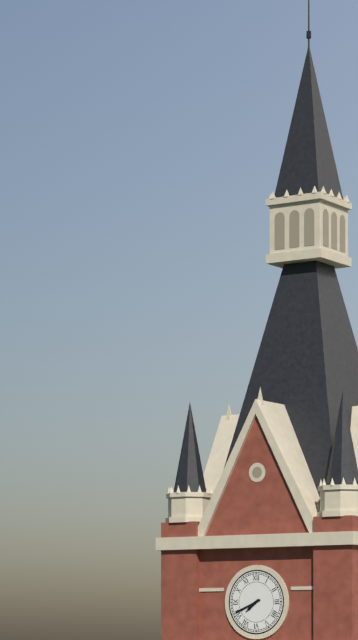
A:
h=7 m=41
